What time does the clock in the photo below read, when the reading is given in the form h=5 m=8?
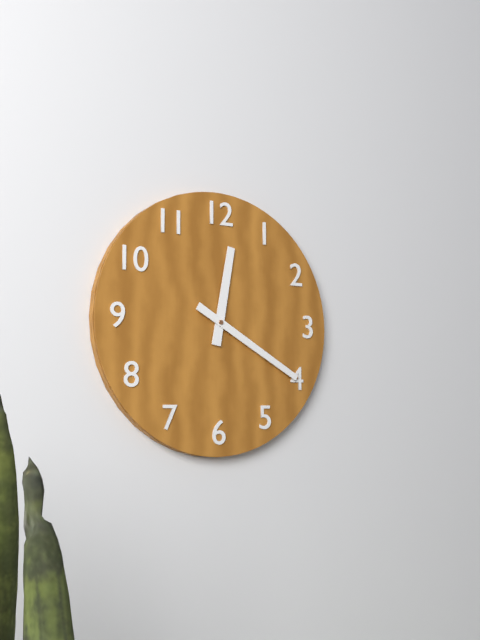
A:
h=12 m=20
